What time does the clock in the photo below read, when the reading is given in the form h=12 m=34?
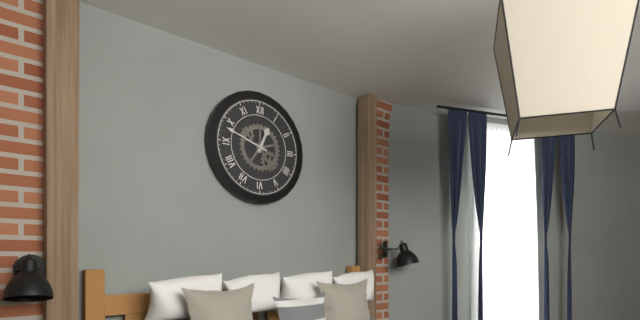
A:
h=12 m=48
